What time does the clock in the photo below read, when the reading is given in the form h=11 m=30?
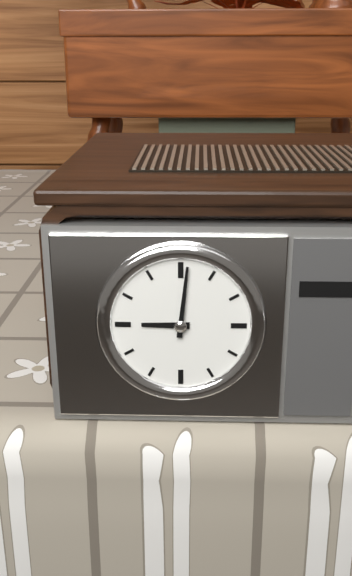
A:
h=9 m=1
